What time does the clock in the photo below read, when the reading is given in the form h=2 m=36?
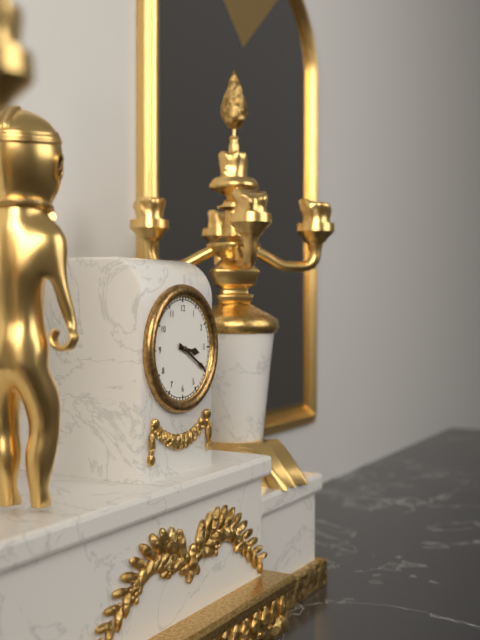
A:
h=3 m=20
